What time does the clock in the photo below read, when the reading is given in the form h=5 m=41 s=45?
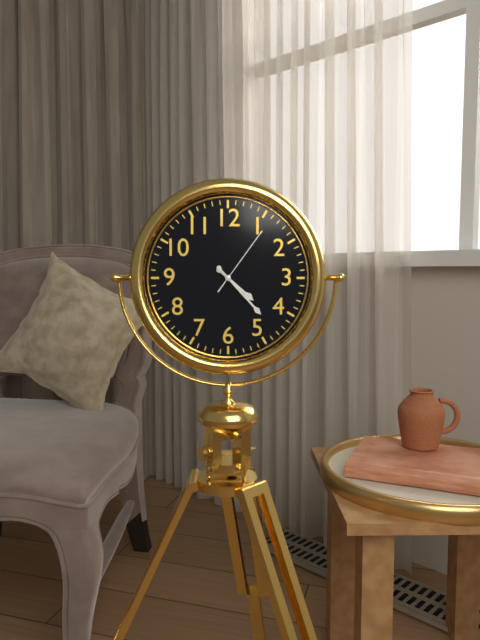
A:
h=4 m=23 s=6
